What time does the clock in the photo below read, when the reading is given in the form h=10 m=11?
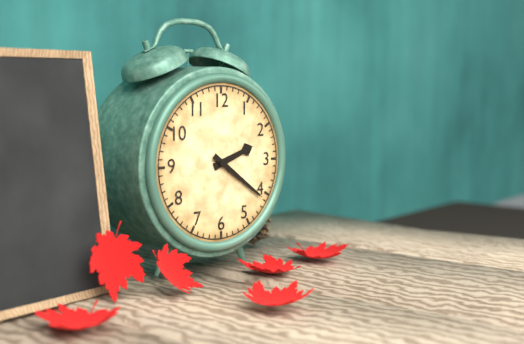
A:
h=2 m=21
